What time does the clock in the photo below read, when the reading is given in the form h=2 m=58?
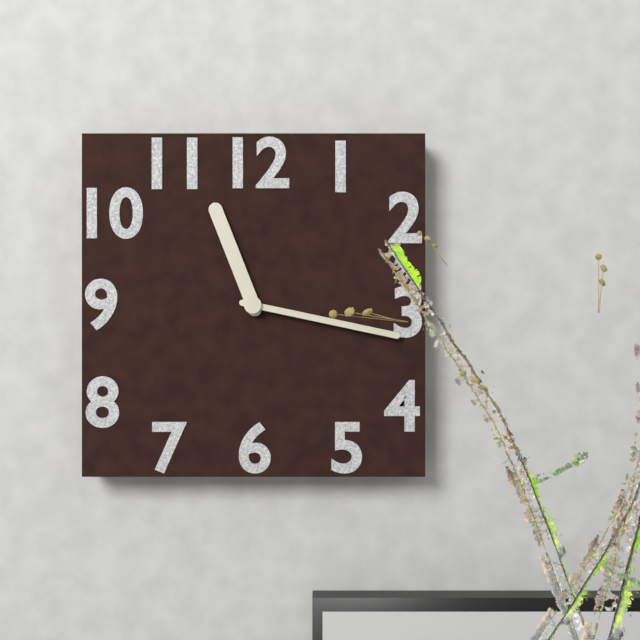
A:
h=11 m=17
